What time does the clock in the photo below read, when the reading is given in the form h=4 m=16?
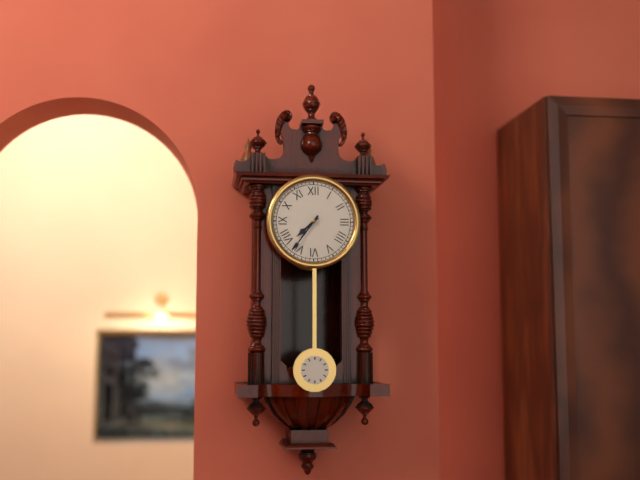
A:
h=7 m=36
